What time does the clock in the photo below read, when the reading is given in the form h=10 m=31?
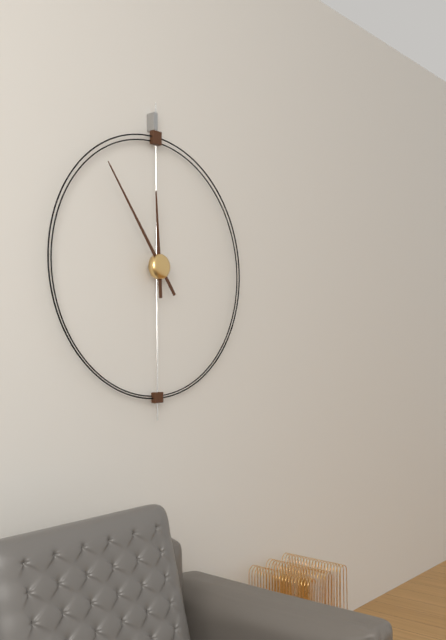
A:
h=11 m=54
